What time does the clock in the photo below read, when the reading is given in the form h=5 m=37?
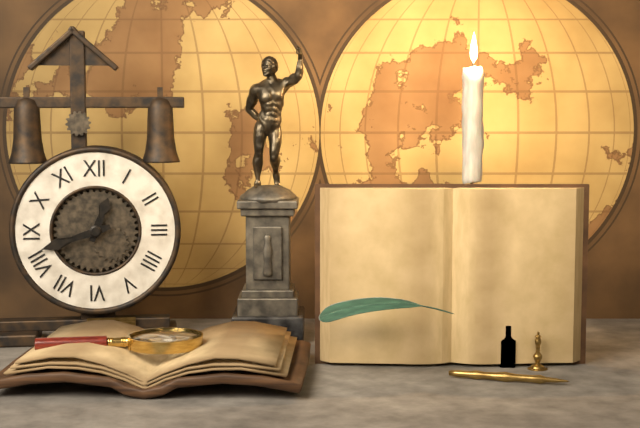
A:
h=12 m=42
